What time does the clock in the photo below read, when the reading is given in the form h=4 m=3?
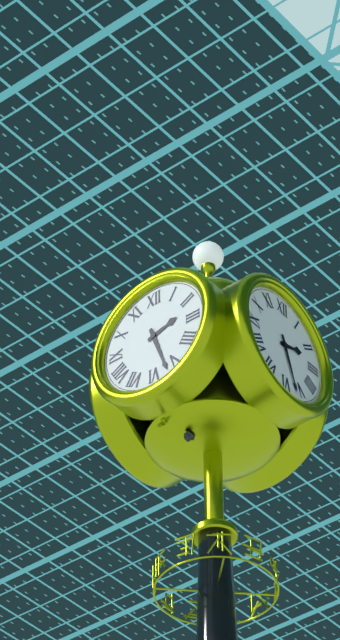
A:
h=2 m=27
